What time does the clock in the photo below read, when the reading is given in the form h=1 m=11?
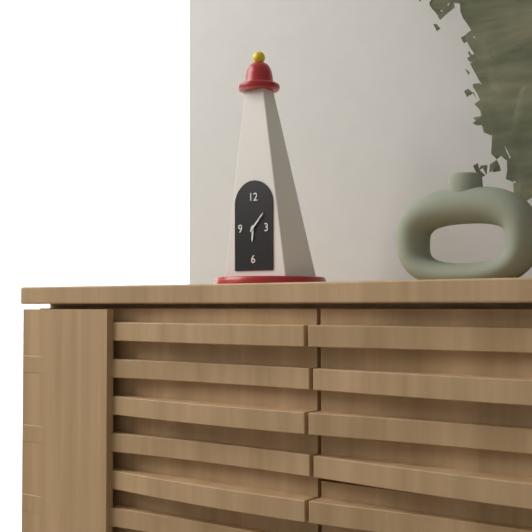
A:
h=6 m=7
